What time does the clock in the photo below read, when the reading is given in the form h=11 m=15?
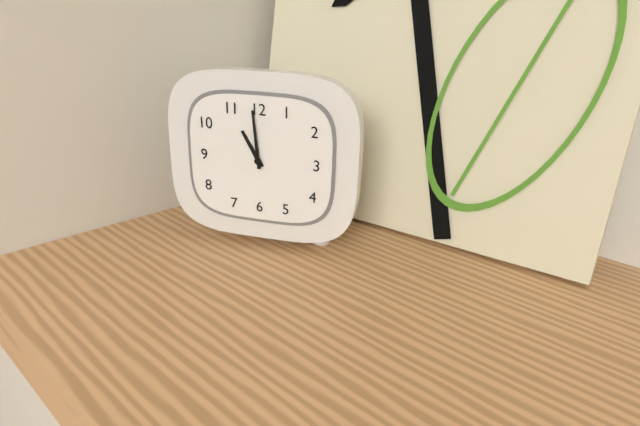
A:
h=10 m=59
